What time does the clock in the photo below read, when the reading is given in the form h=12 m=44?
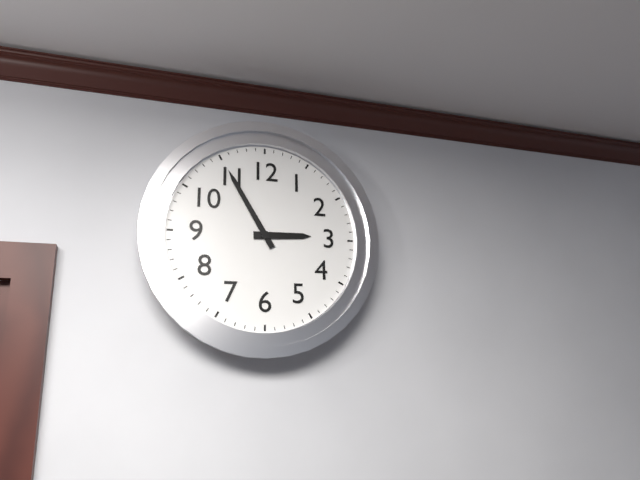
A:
h=2 m=55
